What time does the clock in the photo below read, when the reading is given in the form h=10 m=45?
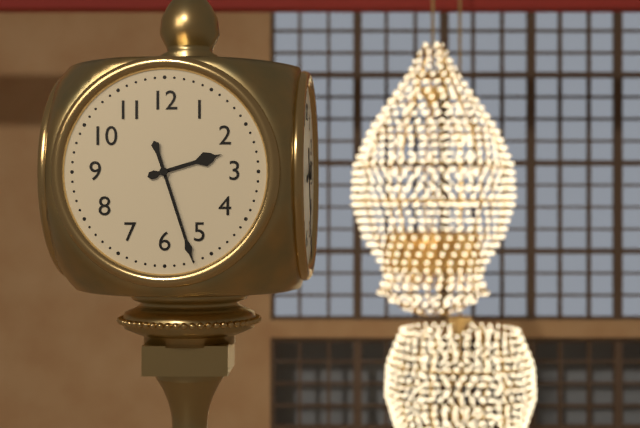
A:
h=2 m=27
